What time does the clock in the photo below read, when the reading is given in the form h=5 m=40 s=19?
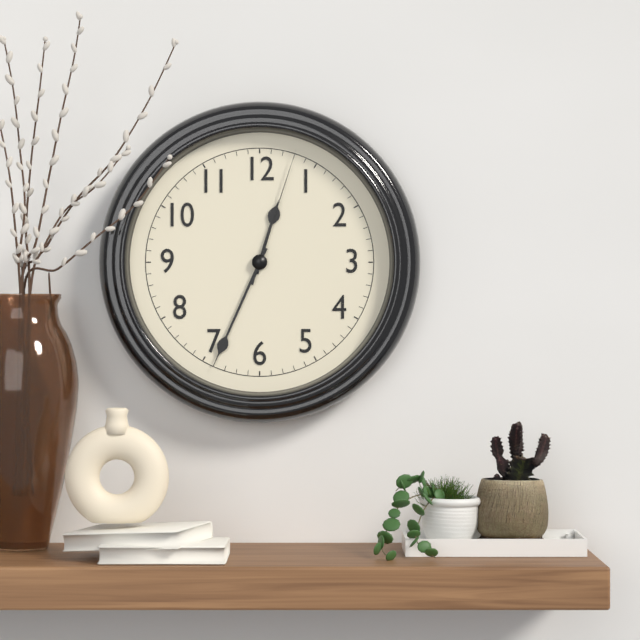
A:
h=12 m=34 s=3
